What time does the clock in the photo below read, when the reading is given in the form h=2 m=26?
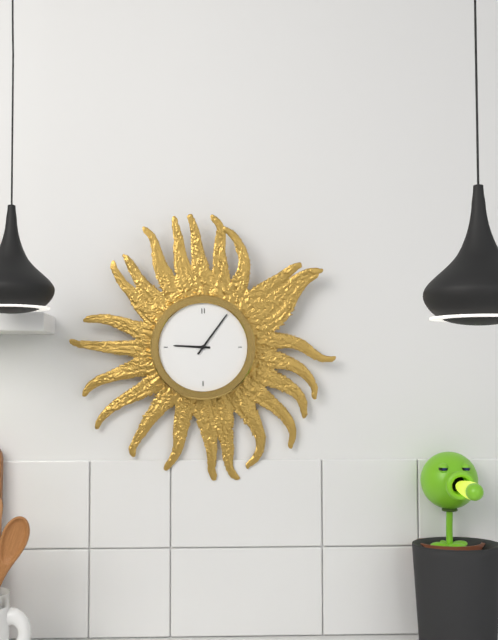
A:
h=9 m=6
